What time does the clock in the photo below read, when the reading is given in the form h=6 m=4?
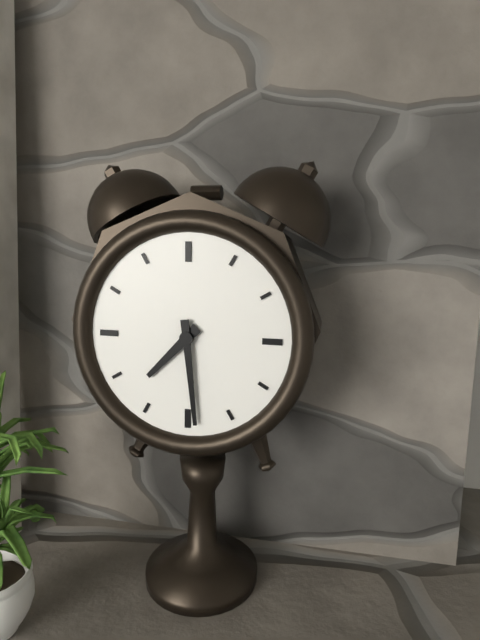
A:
h=7 m=29
